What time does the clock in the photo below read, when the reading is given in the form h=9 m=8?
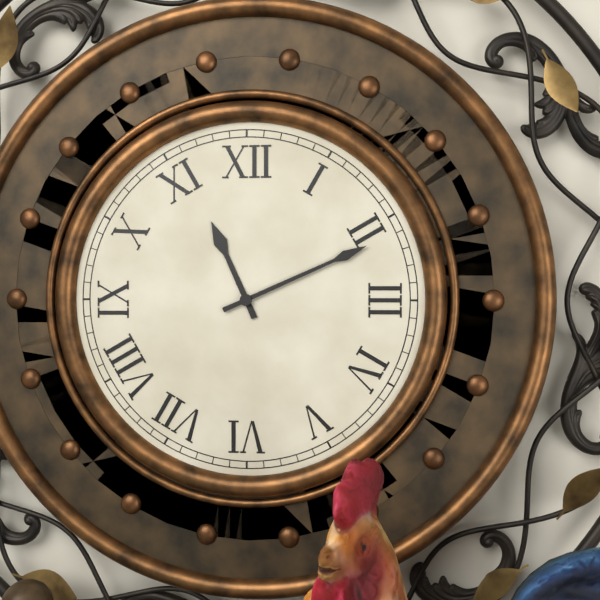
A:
h=11 m=11
